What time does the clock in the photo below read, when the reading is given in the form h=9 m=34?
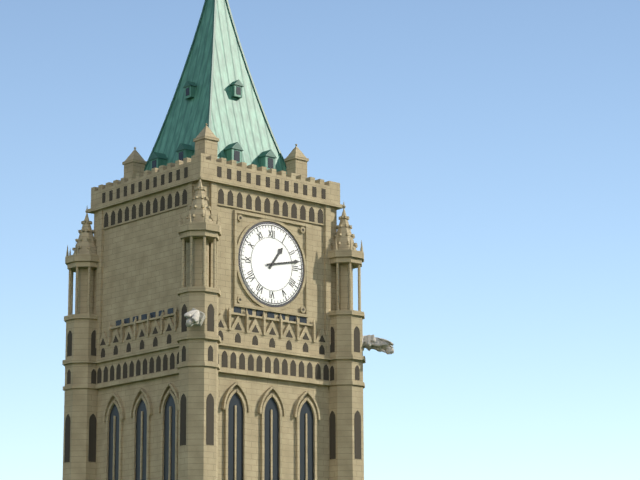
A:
h=1 m=13
